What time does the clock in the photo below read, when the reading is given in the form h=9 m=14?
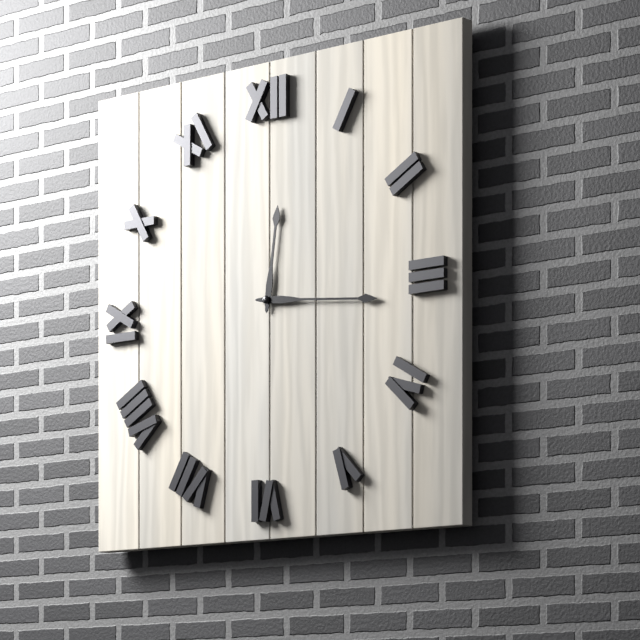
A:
h=12 m=16
